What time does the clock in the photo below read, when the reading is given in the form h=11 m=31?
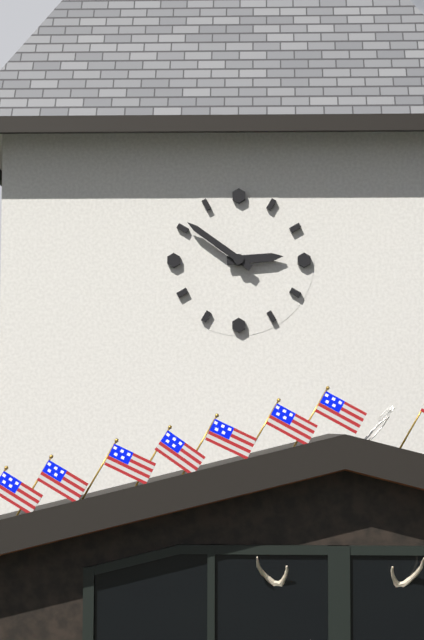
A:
h=2 m=51
